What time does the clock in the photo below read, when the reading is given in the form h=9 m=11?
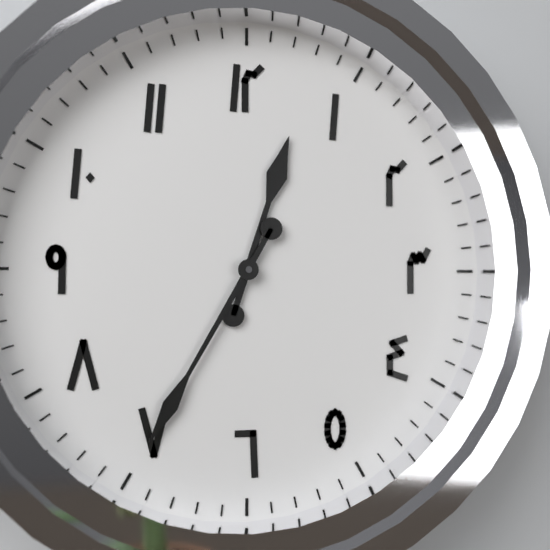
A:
h=12 m=35
